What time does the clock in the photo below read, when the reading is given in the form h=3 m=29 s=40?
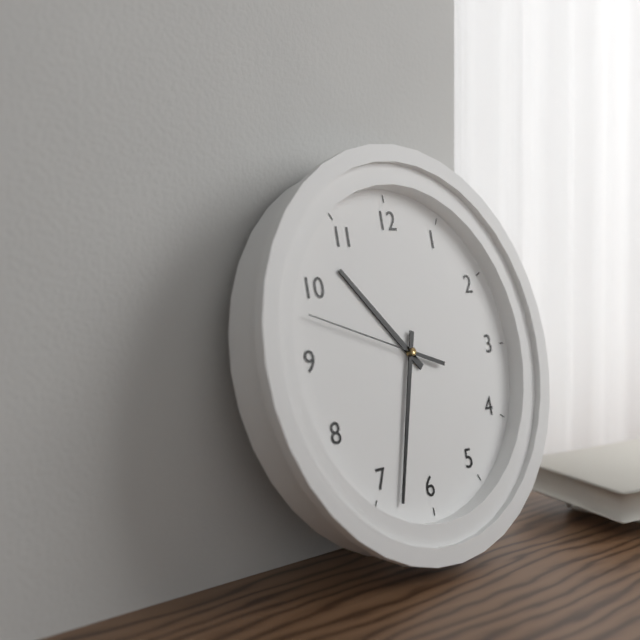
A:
h=10 m=33 s=48
